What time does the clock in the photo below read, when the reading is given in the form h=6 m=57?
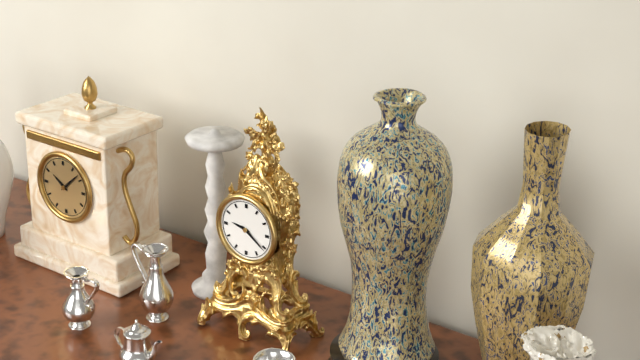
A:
h=9 m=21
